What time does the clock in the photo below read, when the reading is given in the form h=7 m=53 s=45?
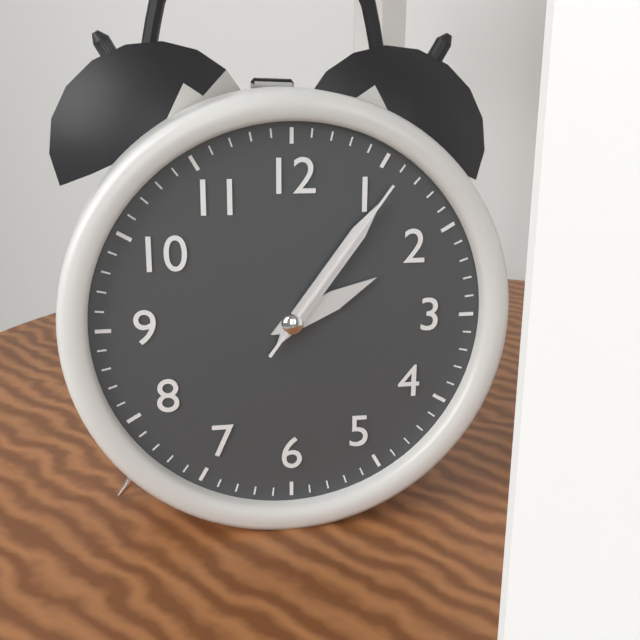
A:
h=2 m=6 s=6
